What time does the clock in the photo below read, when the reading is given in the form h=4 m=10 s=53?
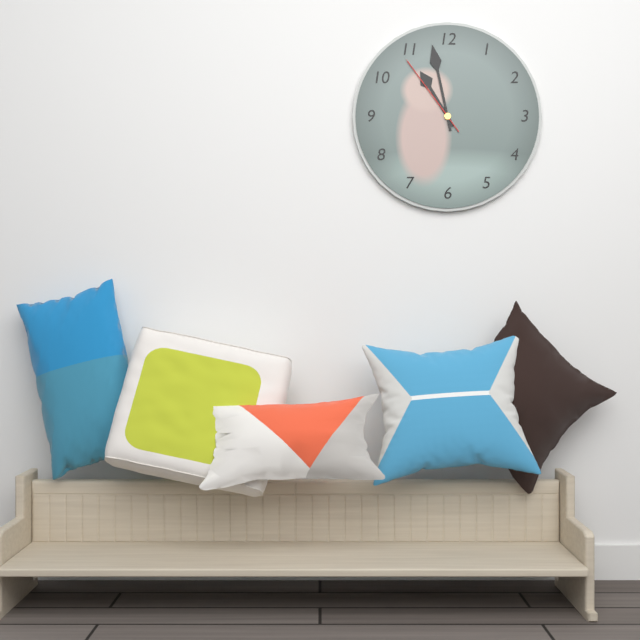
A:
h=10 m=58 s=54
